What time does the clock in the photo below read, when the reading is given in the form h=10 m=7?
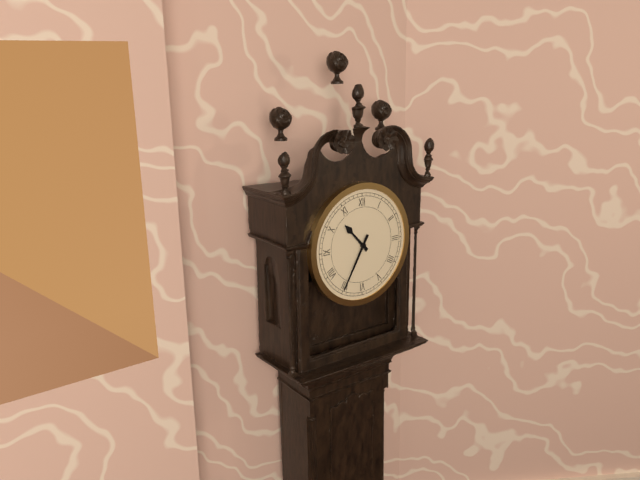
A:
h=10 m=35
